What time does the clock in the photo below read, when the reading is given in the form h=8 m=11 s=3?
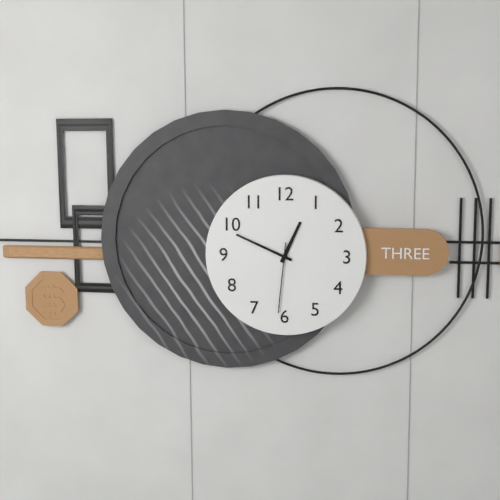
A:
h=12 m=49 s=31
